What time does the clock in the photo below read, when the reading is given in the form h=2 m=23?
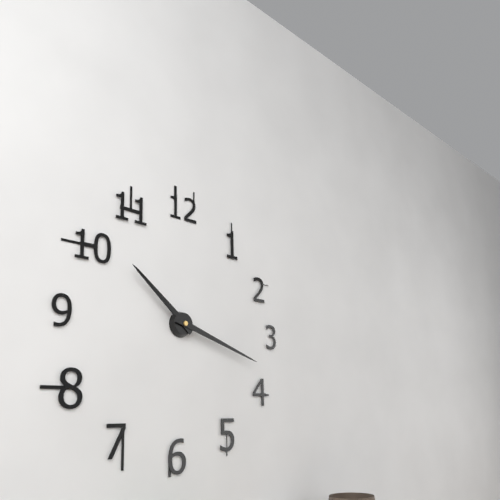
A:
h=10 m=18
